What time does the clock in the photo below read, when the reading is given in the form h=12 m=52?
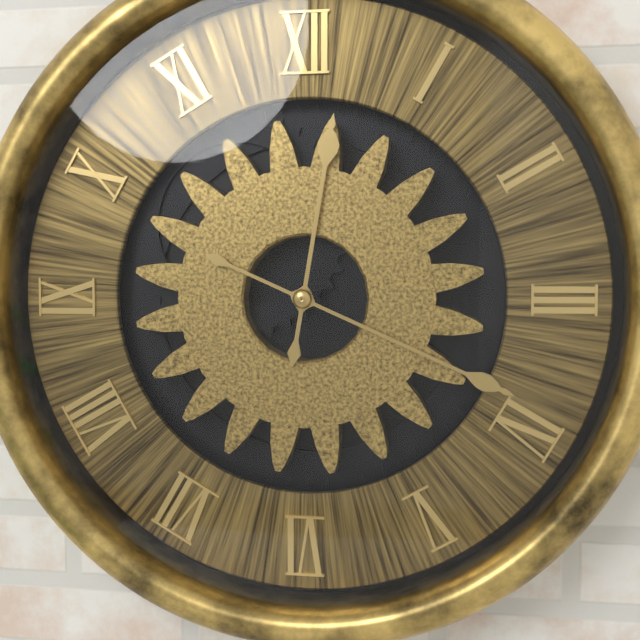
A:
h=12 m=19
